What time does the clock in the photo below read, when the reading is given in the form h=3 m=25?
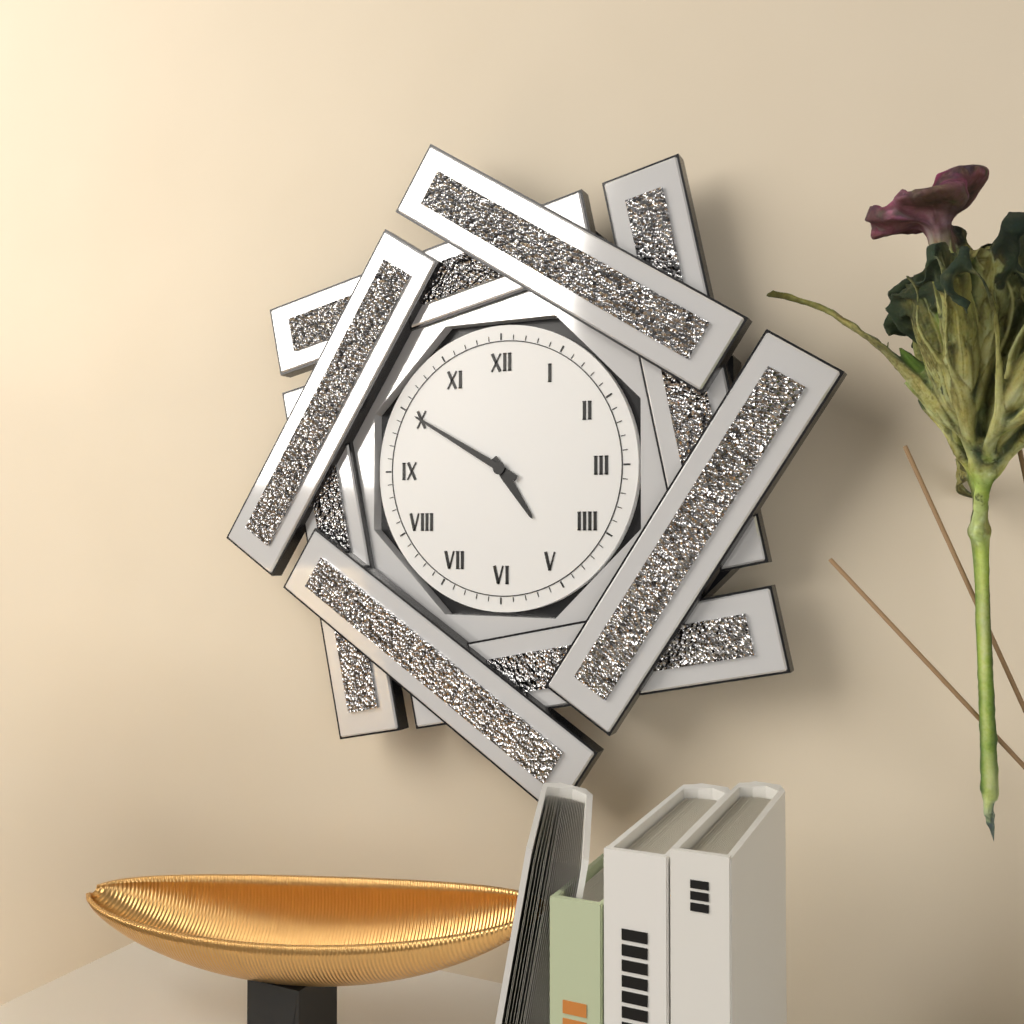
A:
h=4 m=50
